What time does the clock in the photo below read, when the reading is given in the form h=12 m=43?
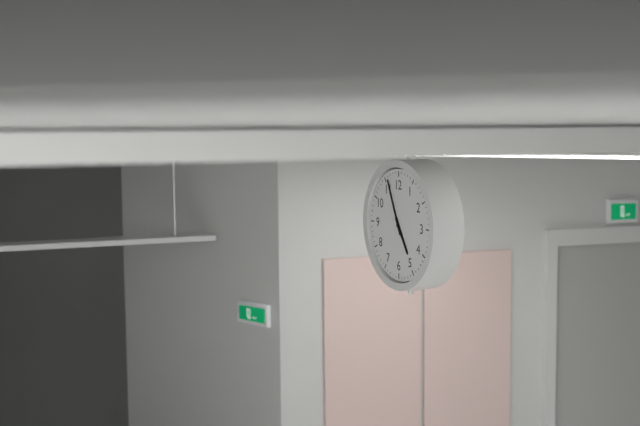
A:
h=4 m=56
